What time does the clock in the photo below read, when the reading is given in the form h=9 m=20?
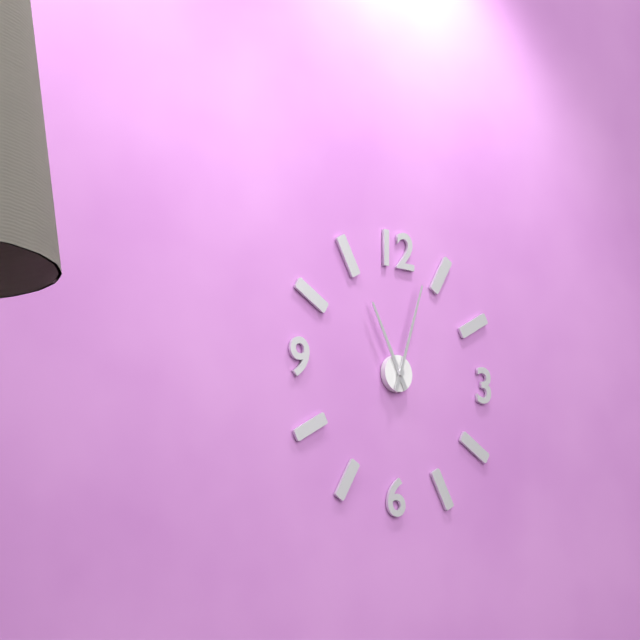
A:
h=11 m=3
